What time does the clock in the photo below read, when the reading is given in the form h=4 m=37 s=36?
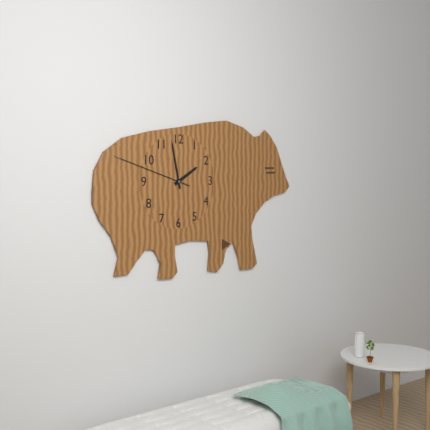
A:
h=1 m=58 s=48
